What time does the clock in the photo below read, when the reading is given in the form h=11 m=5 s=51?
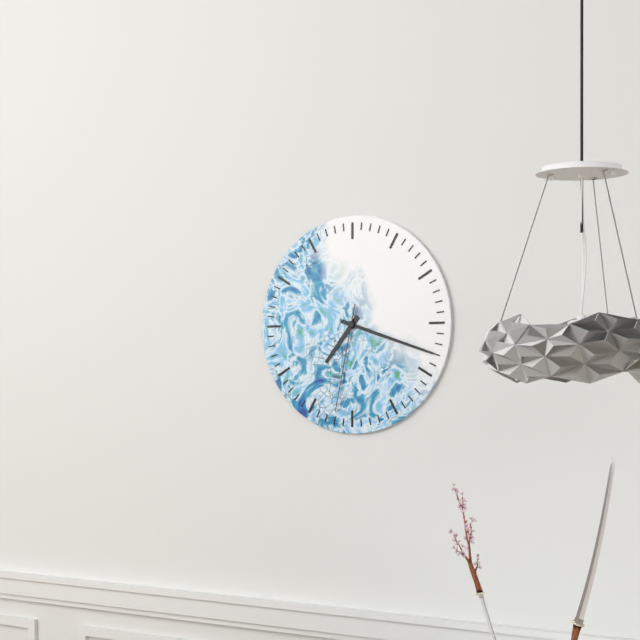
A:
h=7 m=18 s=32
